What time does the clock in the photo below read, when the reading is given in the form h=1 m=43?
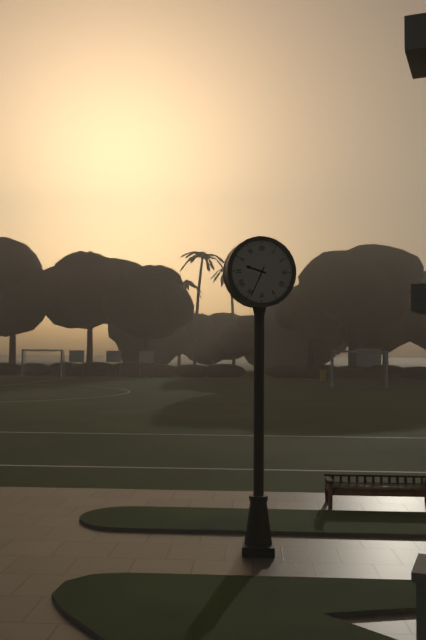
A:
h=9 m=34
